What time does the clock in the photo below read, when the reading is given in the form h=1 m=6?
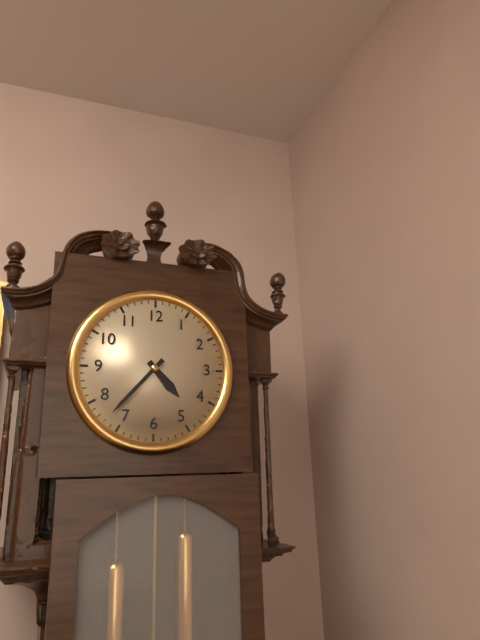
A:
h=4 m=37
